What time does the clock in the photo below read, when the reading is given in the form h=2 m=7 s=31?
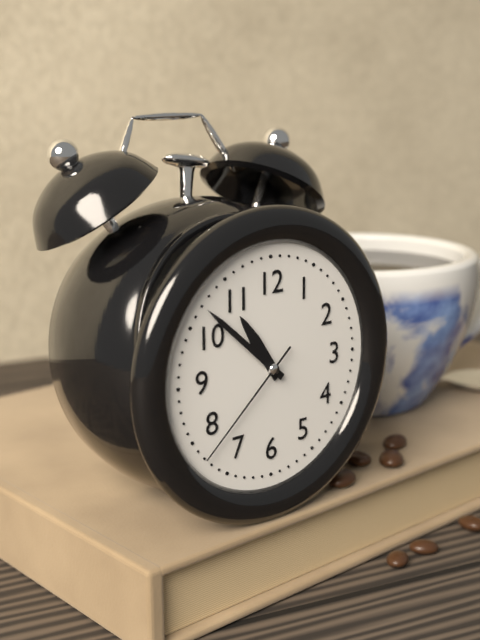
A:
h=10 m=52 s=38
